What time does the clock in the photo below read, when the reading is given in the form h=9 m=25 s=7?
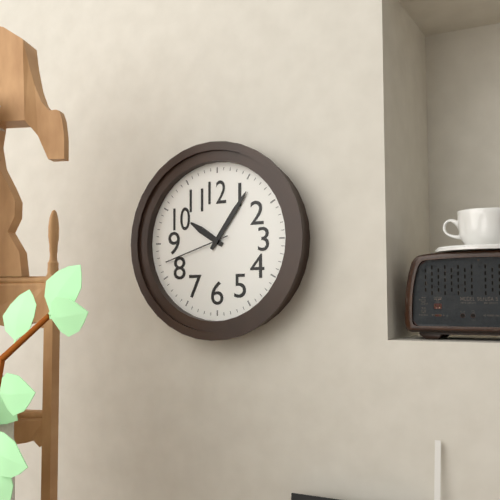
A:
h=10 m=6 s=42
